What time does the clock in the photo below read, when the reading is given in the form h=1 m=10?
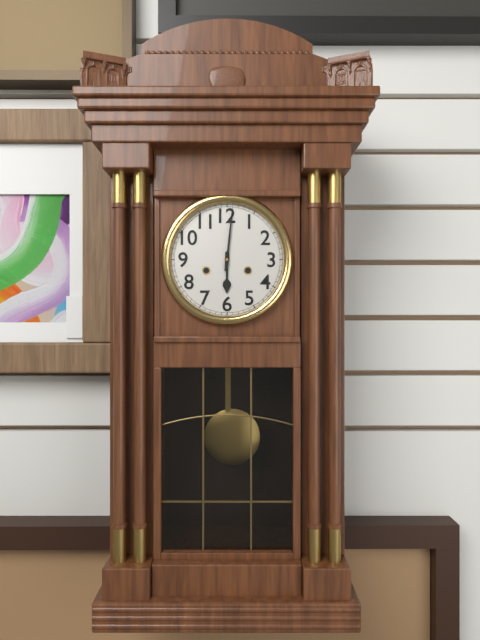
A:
h=6 m=1
